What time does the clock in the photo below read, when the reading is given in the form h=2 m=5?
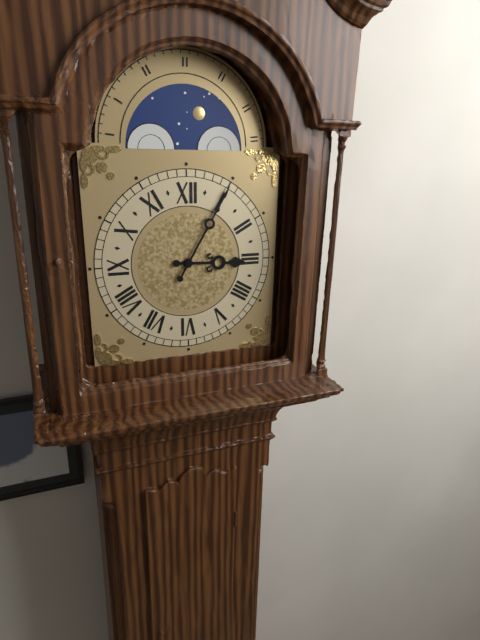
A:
h=3 m=5
